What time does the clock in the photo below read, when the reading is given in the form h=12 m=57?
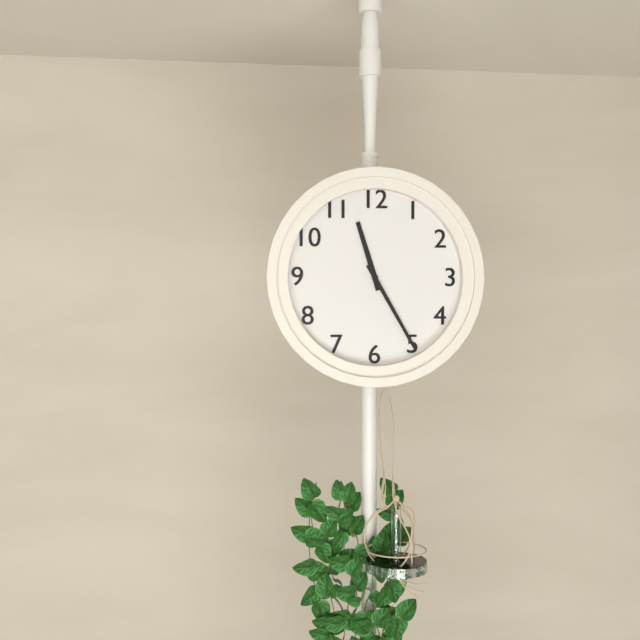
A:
h=11 m=25
